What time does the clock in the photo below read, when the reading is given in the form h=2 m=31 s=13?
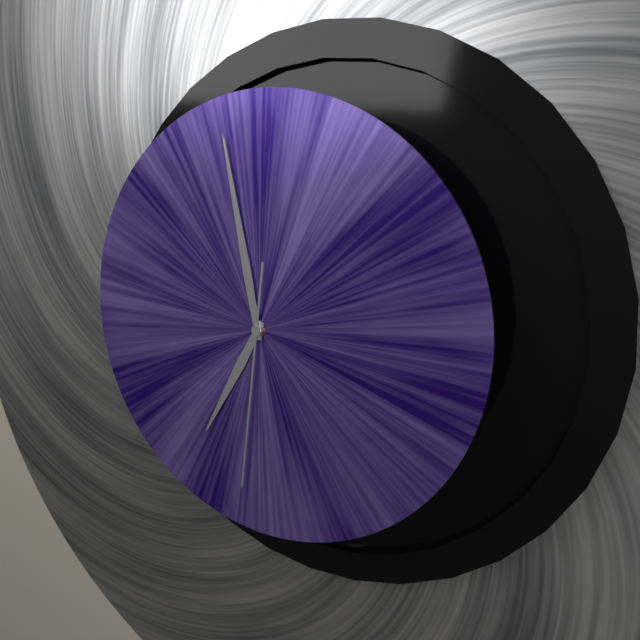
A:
h=6 m=58 s=31
